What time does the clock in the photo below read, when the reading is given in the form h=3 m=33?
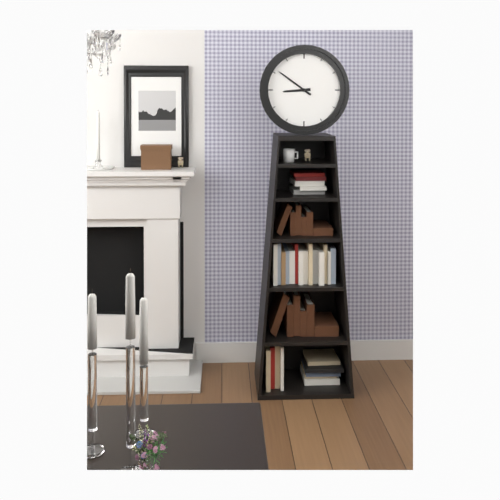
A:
h=8 m=51
